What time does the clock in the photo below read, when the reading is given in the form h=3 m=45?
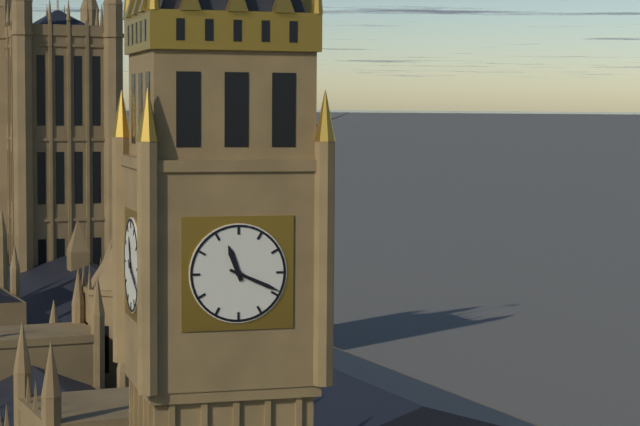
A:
h=11 m=19
